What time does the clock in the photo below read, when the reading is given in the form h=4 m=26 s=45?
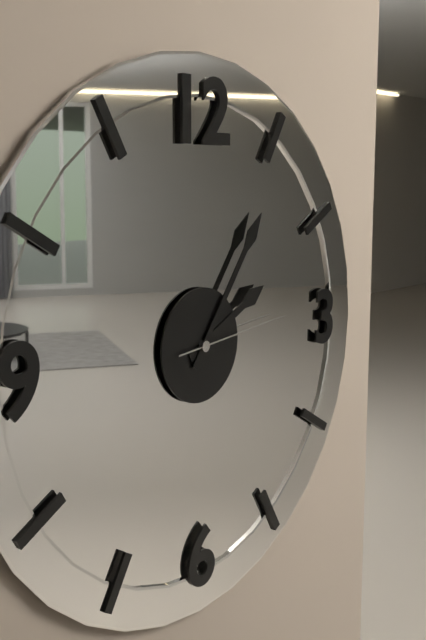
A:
h=2 m=6 s=14
